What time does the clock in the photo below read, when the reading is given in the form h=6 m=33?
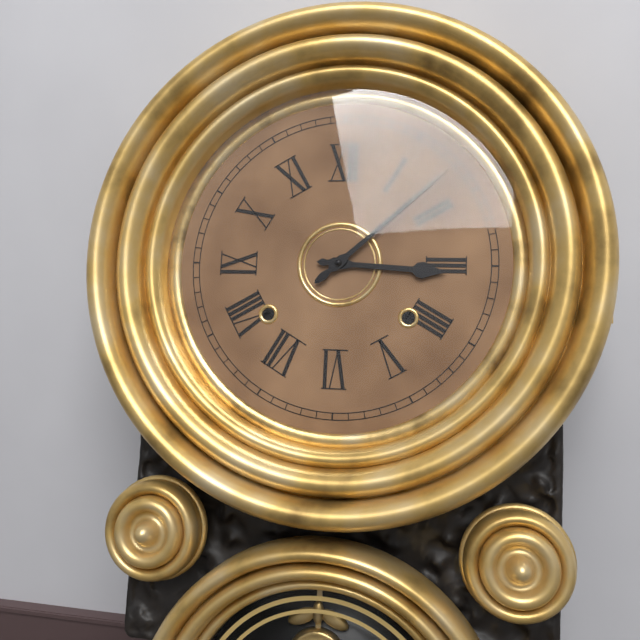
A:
h=3 m=8
